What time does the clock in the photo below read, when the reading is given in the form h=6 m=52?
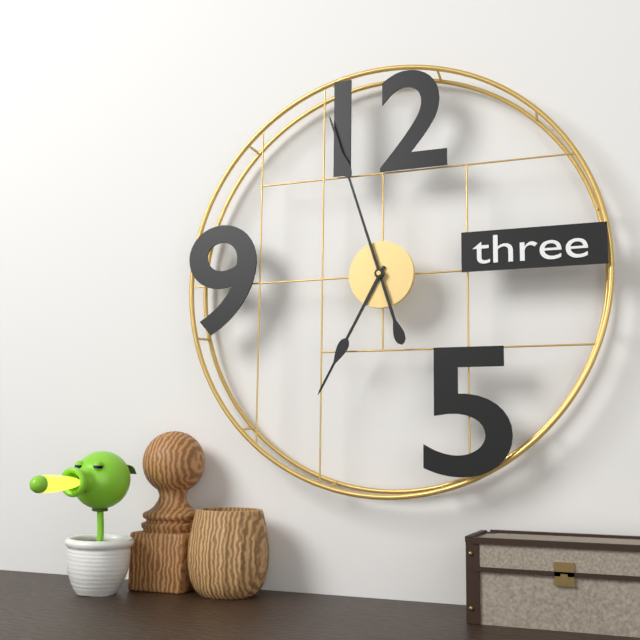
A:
h=6 m=57
